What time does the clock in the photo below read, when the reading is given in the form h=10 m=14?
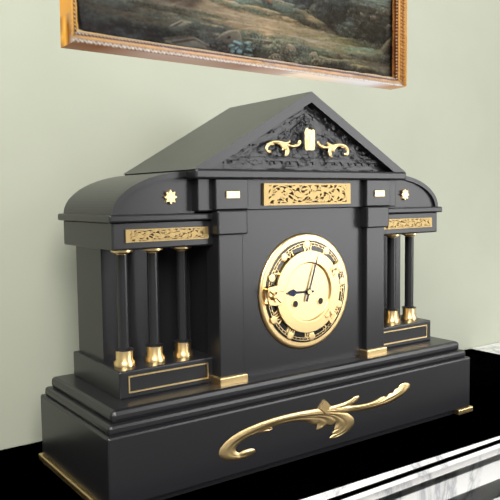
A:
h=9 m=3
